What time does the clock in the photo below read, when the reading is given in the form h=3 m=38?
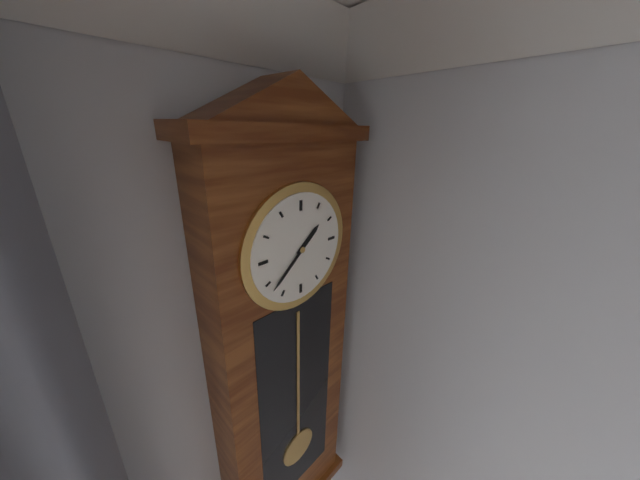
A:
h=1 m=38
